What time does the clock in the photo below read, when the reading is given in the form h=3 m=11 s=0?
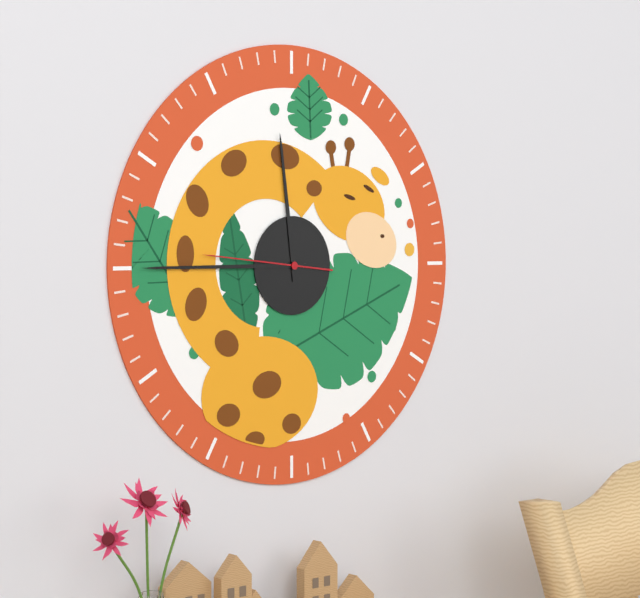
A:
h=11 m=45 s=46
